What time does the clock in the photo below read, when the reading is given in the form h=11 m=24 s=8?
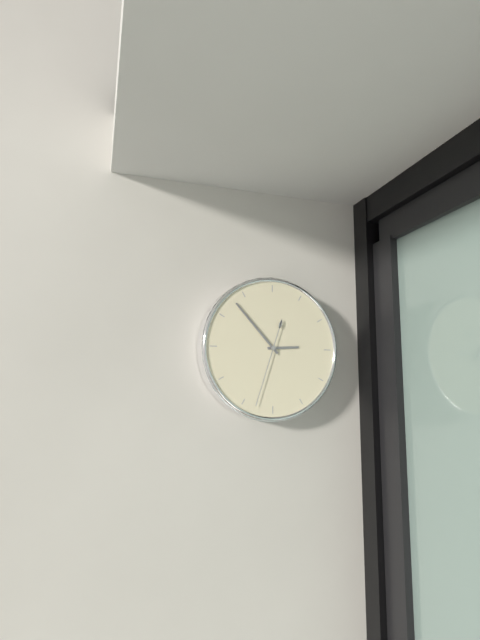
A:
h=2 m=53 s=33
